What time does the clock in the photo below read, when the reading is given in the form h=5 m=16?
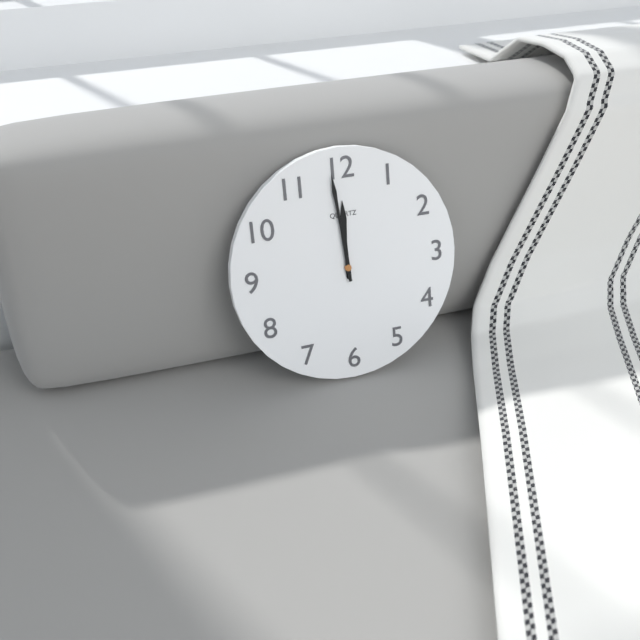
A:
h=11 m=59
